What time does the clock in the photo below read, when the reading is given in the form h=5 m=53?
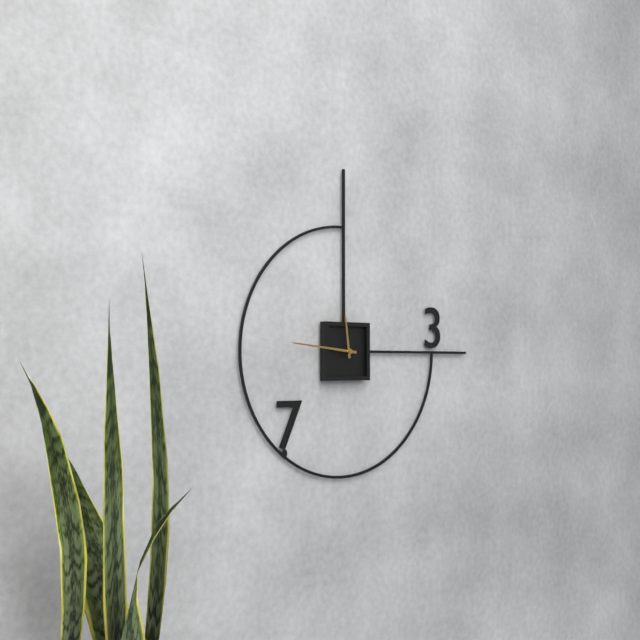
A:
h=11 m=46
